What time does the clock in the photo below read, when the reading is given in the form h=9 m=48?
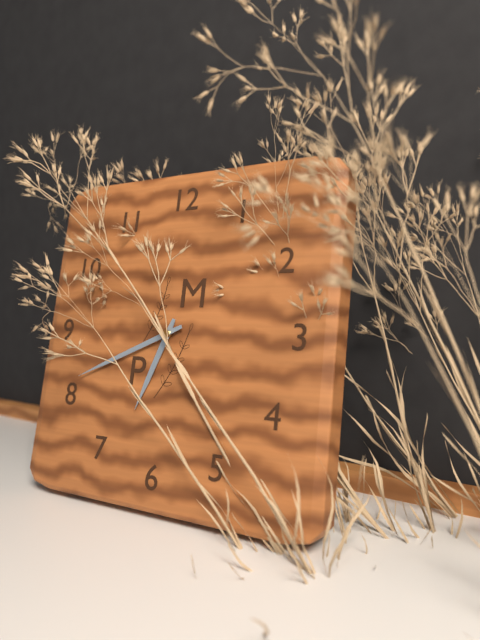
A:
h=6 m=41
